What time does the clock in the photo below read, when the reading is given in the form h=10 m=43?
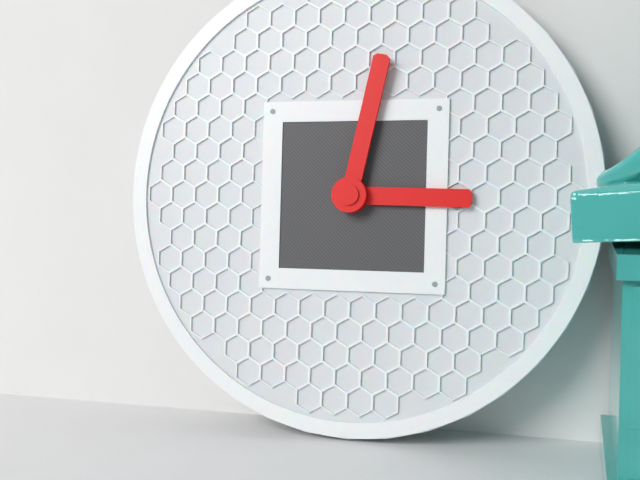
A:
h=3 m=2
